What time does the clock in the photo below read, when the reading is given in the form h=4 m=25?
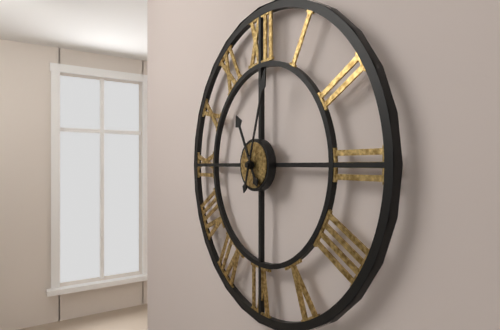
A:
h=11 m=3
